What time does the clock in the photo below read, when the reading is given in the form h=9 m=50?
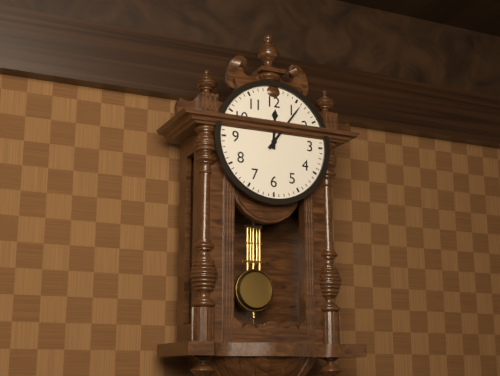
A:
h=12 m=6
